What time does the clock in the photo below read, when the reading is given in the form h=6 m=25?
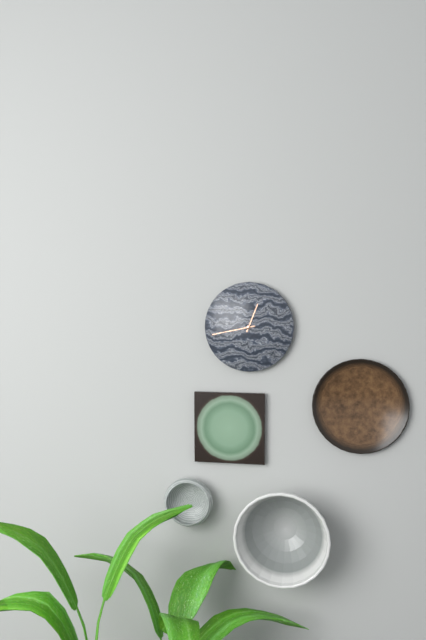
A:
h=12 m=43
